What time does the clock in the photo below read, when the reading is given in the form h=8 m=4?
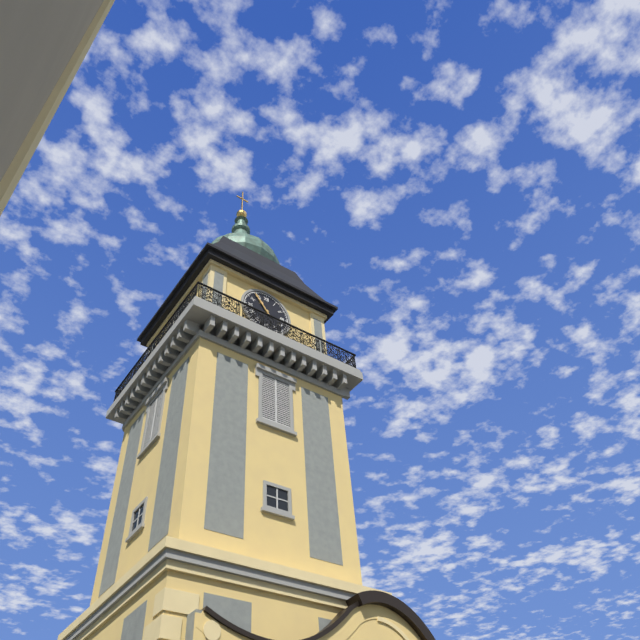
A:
h=10 m=54
